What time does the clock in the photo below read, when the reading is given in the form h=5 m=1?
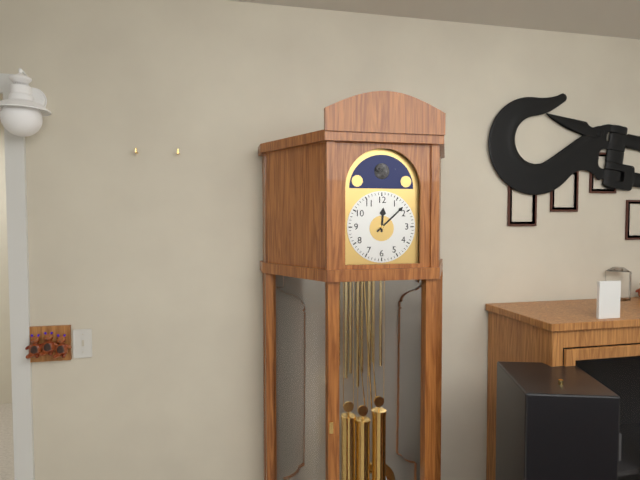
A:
h=12 m=8
